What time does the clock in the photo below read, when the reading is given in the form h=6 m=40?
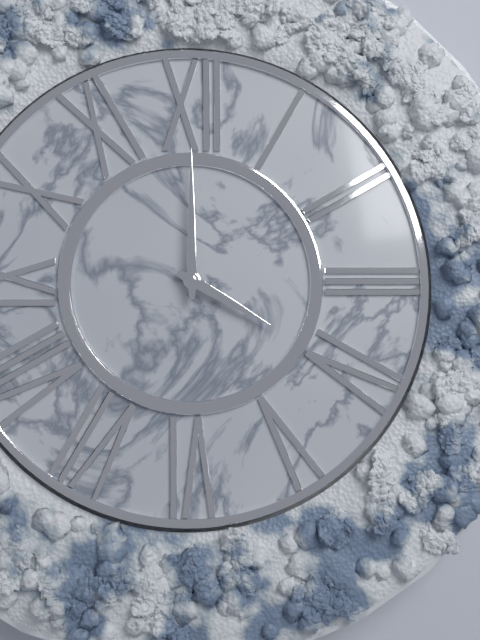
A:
h=4 m=0
